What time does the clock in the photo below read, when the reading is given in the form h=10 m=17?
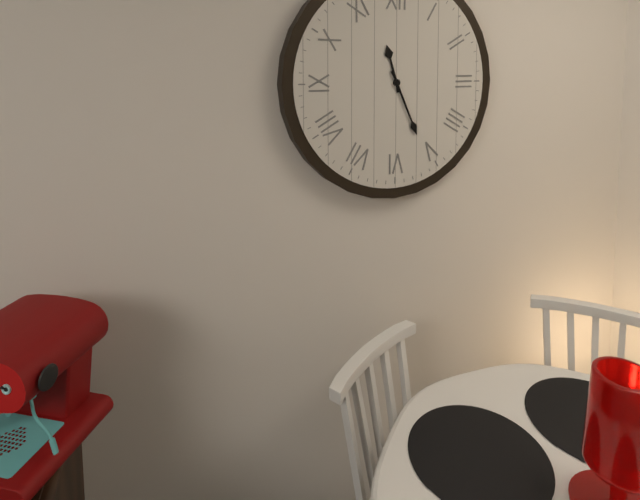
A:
h=11 m=26
